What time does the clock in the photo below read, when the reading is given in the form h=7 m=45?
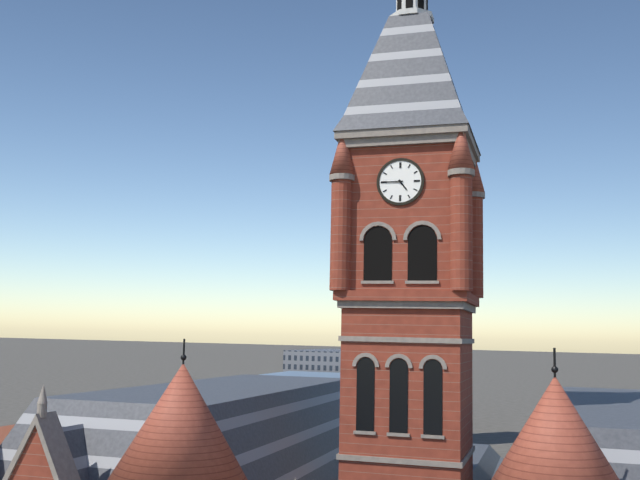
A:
h=4 m=45
